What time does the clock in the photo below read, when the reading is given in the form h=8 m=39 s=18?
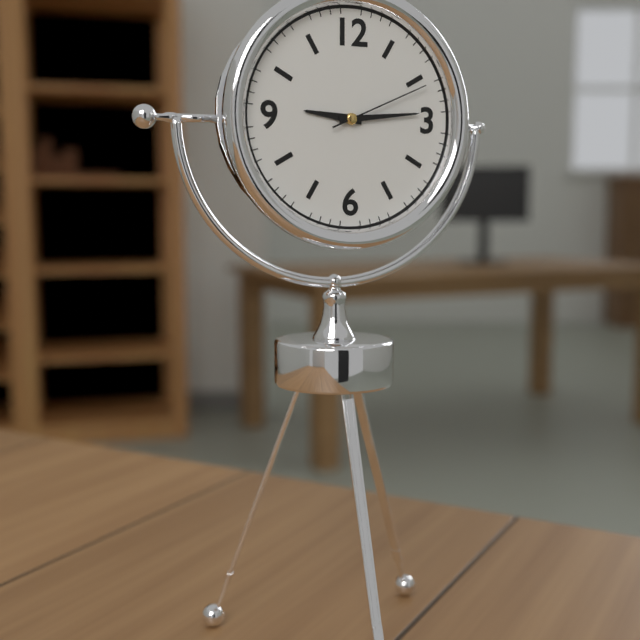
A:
h=9 m=14 s=11
